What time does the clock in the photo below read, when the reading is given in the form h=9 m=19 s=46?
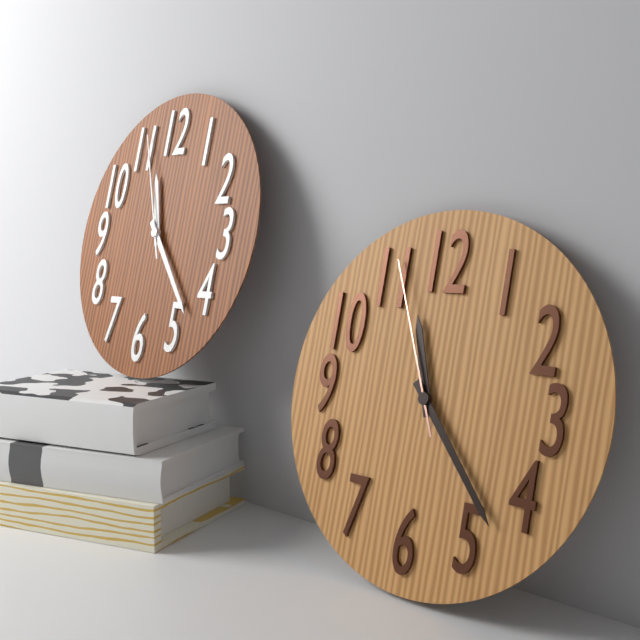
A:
h=11 m=23 s=56
